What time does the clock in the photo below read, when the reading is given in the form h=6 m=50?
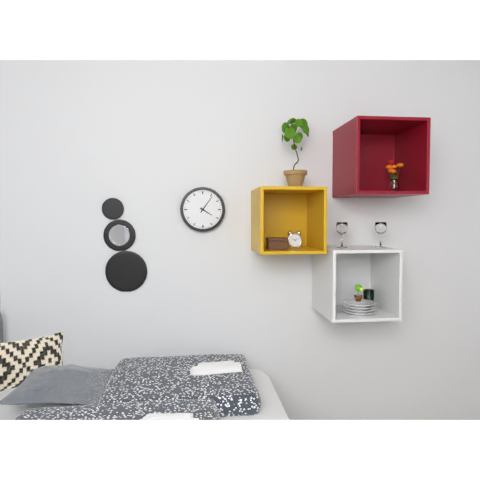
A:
h=4 m=6
